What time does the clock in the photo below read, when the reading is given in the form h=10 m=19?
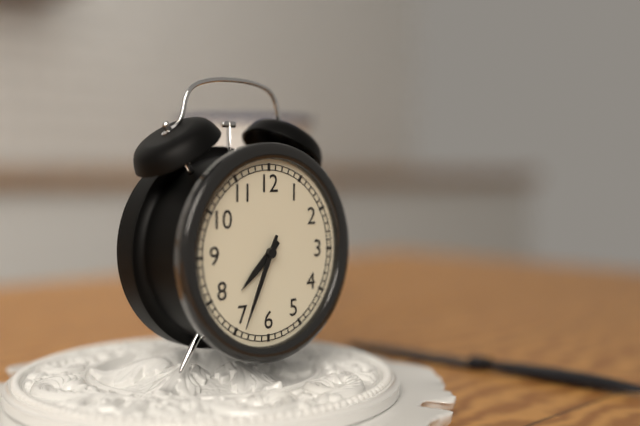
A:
h=7 m=34
